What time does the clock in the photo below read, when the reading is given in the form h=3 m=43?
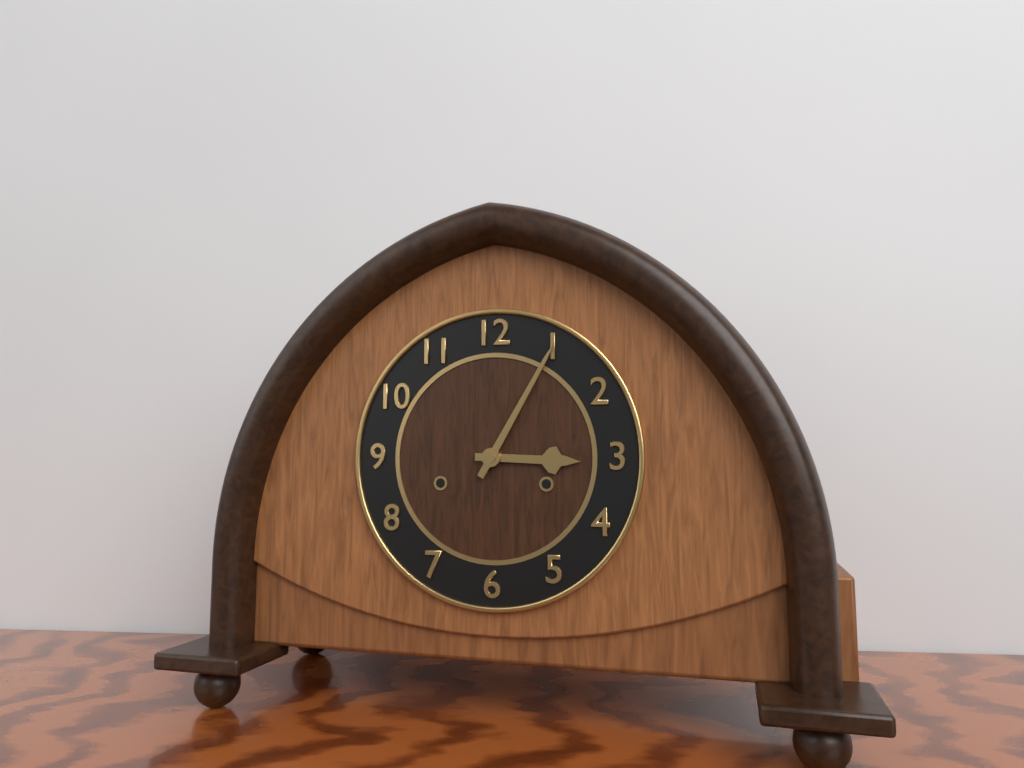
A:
h=3 m=5
